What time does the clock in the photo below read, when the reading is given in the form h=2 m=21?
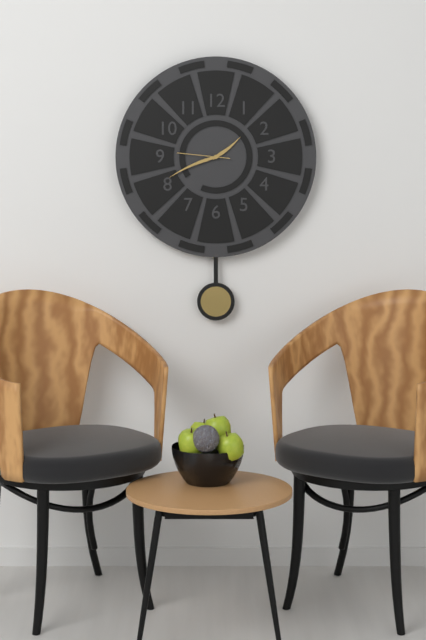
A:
h=1 m=41
